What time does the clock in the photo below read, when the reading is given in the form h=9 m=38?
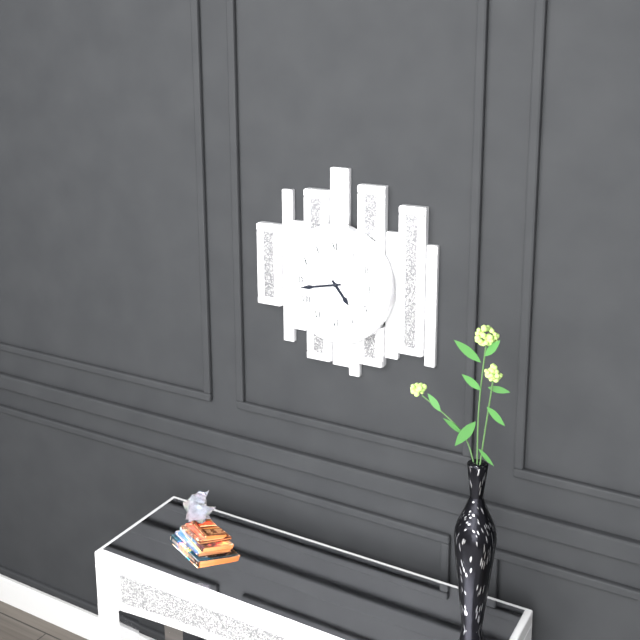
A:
h=4 m=43
